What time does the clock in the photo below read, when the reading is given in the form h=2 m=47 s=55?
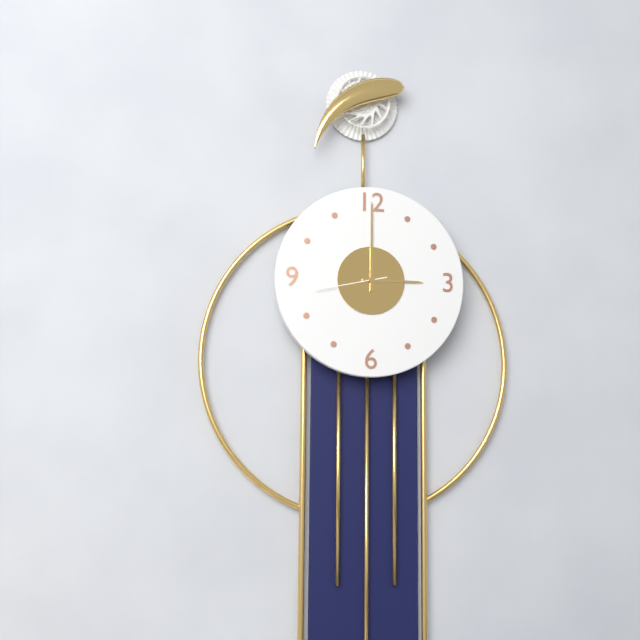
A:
h=3 m=0 s=43
